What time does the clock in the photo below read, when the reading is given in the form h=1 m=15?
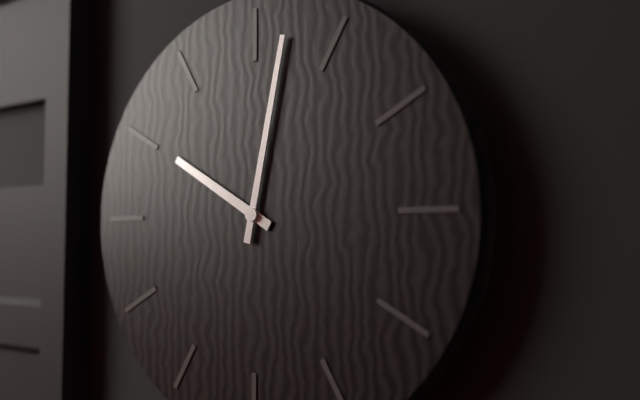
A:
h=10 m=2
